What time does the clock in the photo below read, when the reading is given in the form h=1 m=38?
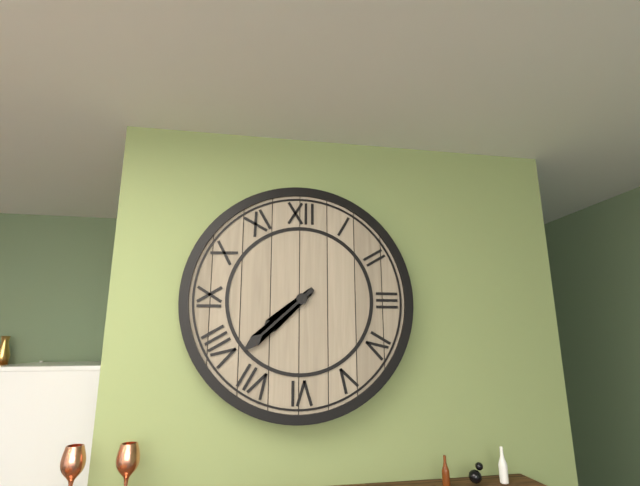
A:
h=7 m=38
